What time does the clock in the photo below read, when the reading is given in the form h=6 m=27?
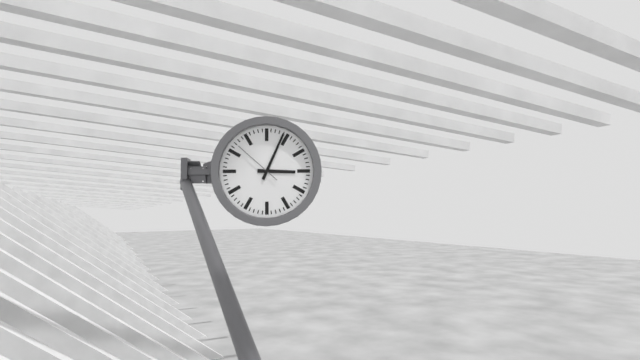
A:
h=3 m=4
